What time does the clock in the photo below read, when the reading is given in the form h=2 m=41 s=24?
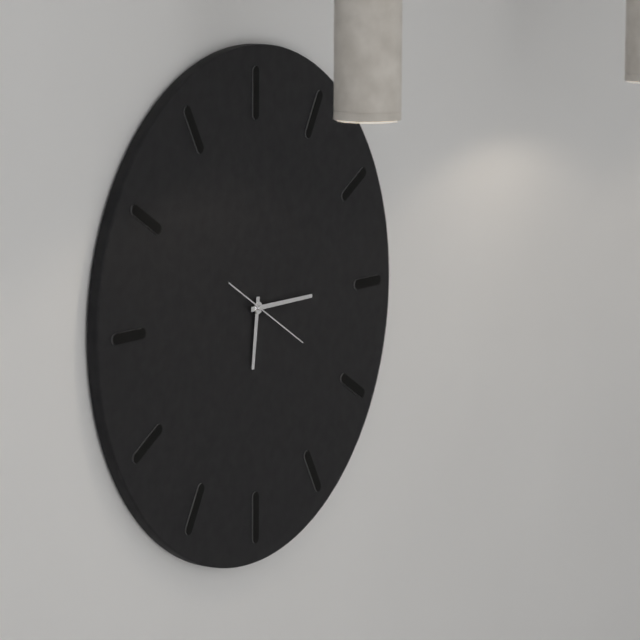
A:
h=6 m=15 s=20
